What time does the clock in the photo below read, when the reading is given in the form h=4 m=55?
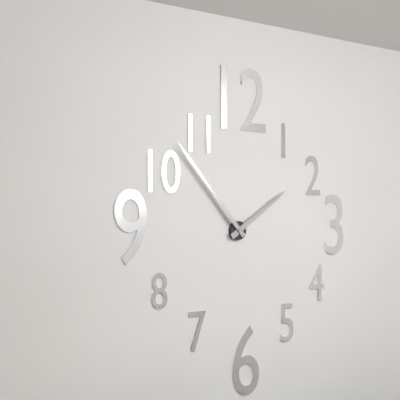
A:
h=1 m=53
